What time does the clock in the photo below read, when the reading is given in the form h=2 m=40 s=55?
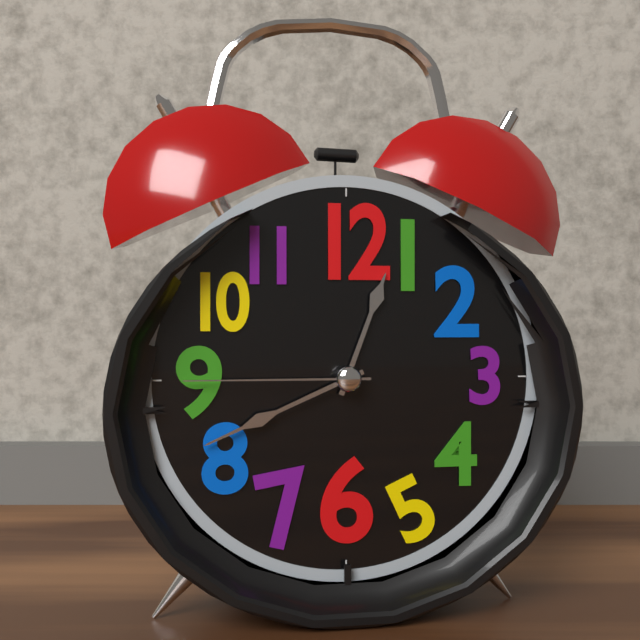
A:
h=12 m=41 s=45
